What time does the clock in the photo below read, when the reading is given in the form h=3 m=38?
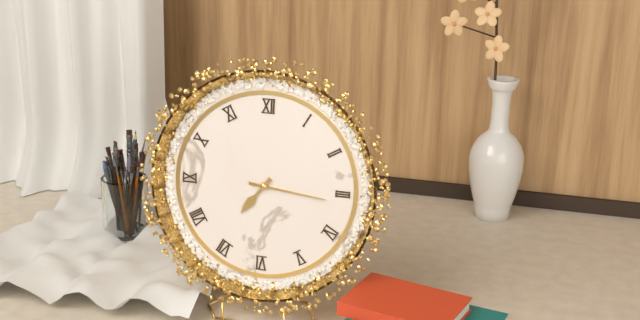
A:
h=7 m=16
